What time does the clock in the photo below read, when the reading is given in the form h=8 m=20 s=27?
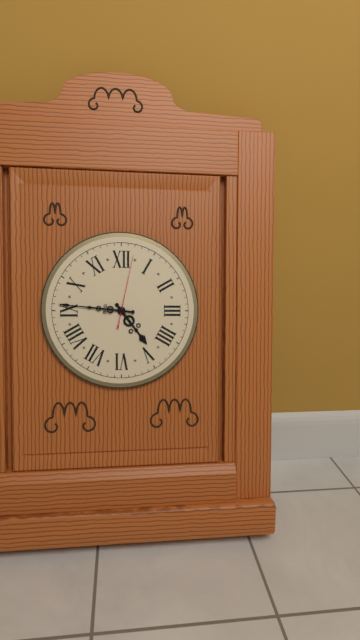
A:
h=4 m=46 s=2
